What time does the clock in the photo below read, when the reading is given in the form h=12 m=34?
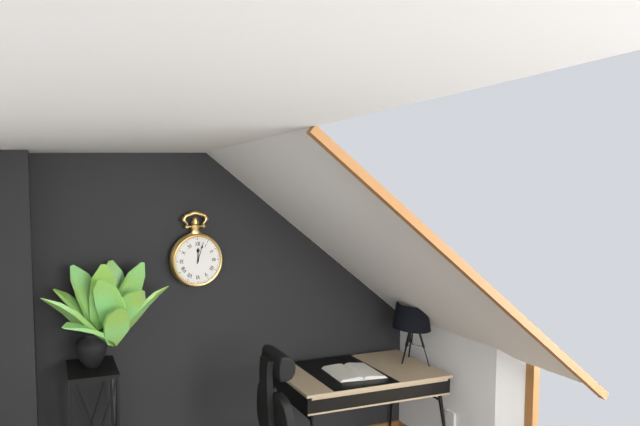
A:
h=12 m=3
